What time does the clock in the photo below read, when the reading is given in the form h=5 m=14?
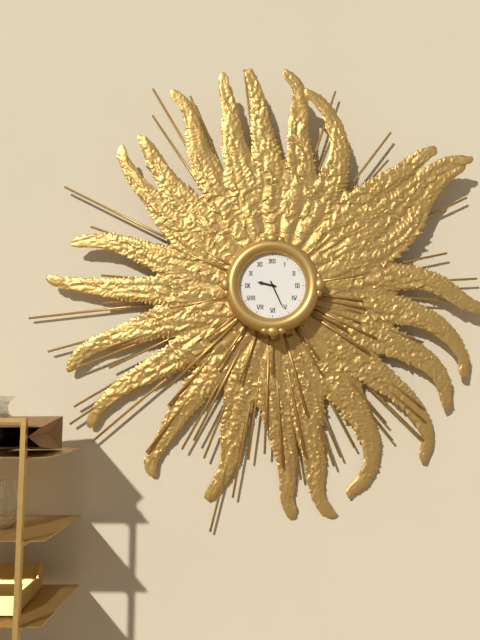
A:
h=9 m=26
